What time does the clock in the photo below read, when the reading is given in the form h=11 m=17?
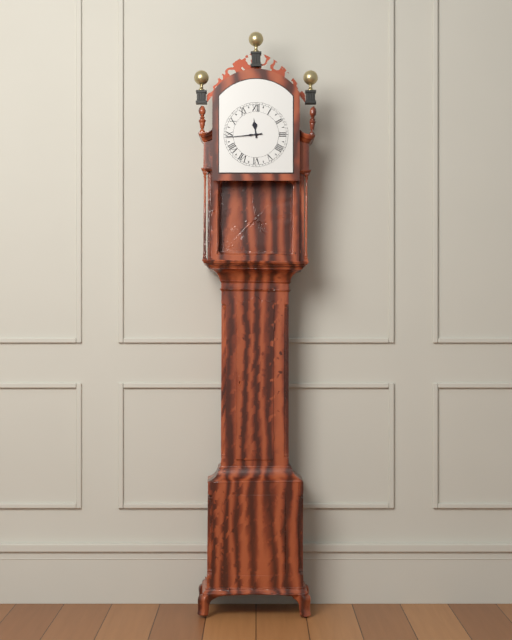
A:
h=11 m=44
